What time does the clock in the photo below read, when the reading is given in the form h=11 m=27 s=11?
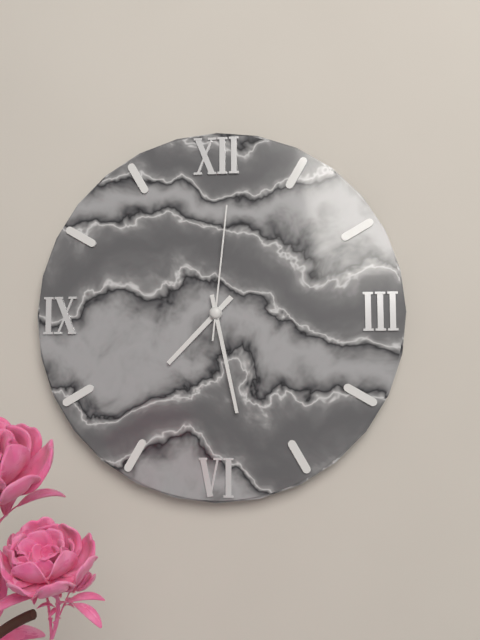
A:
h=7 m=28 s=1
